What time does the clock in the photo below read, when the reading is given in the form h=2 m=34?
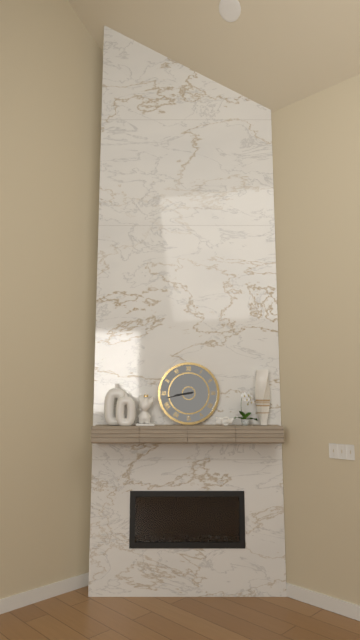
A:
h=8 m=43
